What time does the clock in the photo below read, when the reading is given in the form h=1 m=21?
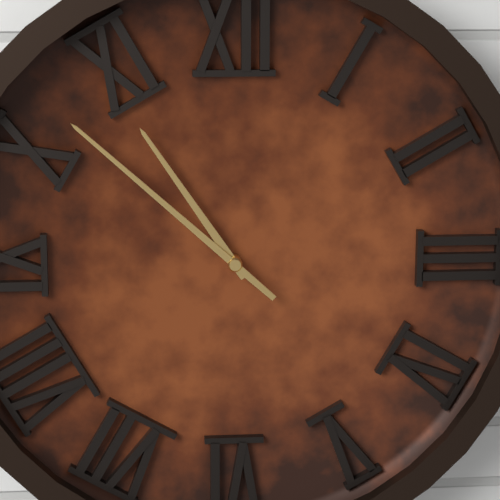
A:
h=10 m=52
